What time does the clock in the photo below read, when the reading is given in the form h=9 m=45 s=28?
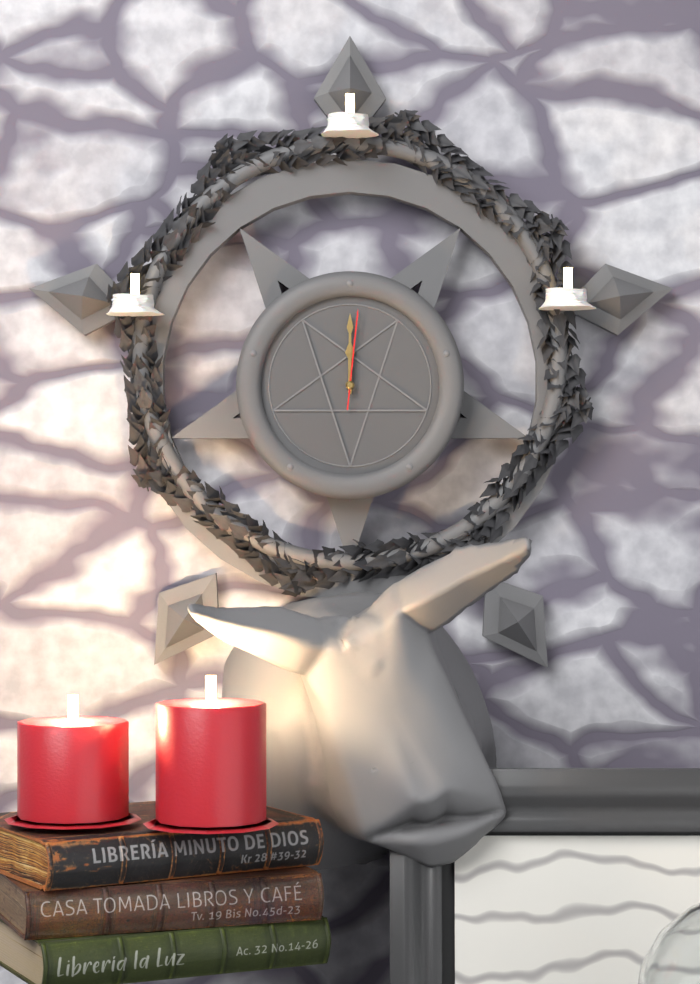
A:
h=12 m=0 s=1
